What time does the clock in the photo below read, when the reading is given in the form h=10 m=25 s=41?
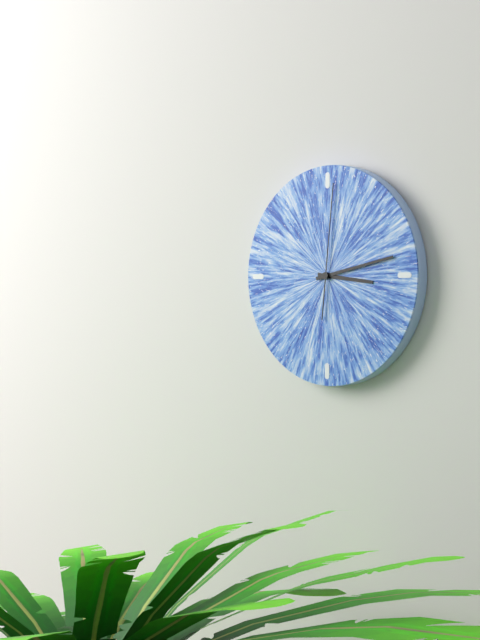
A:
h=3 m=13 s=1
